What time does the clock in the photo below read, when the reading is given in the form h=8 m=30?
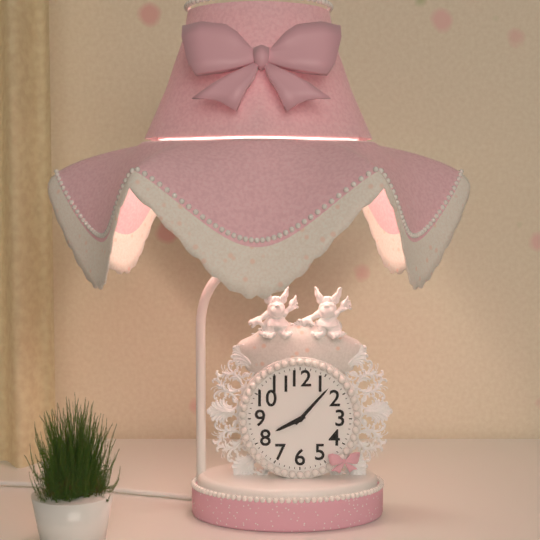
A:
h=8 m=7
